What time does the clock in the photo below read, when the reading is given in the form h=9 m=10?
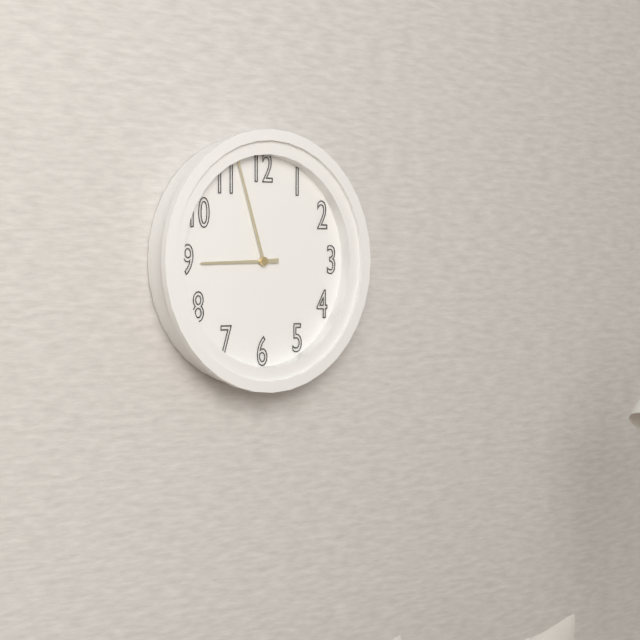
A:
h=8 m=57
